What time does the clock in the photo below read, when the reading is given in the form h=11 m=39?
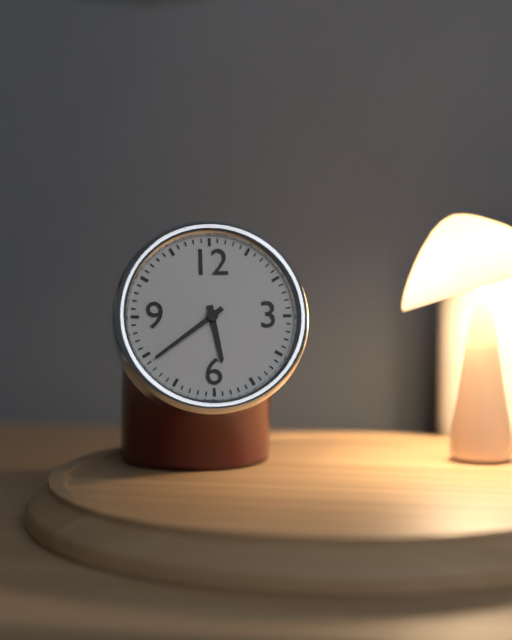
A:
h=5 m=39
